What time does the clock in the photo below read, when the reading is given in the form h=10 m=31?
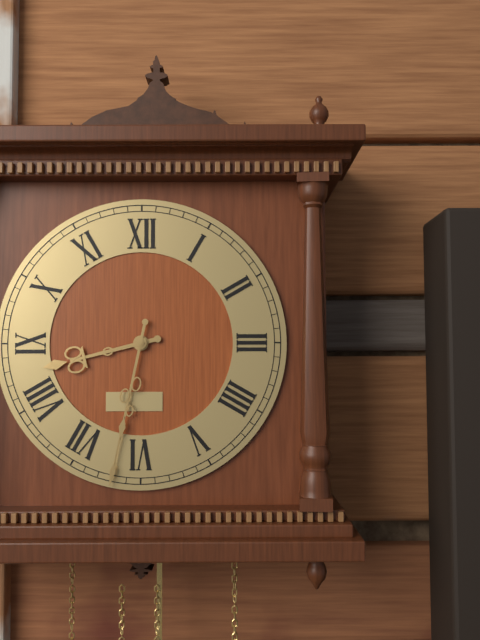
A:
h=8 m=32
